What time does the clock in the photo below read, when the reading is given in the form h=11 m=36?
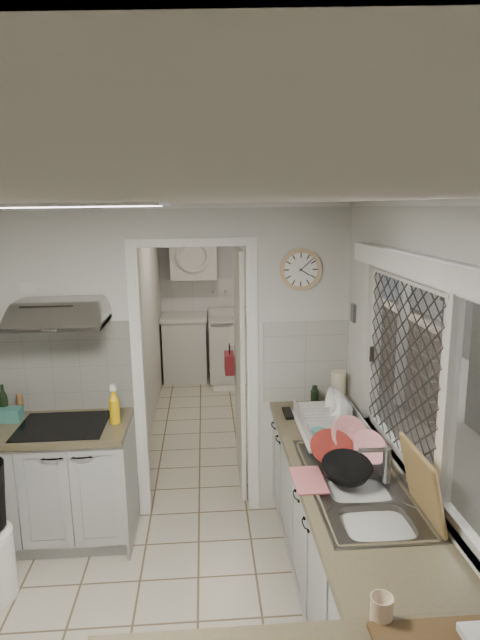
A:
h=4 m=8
